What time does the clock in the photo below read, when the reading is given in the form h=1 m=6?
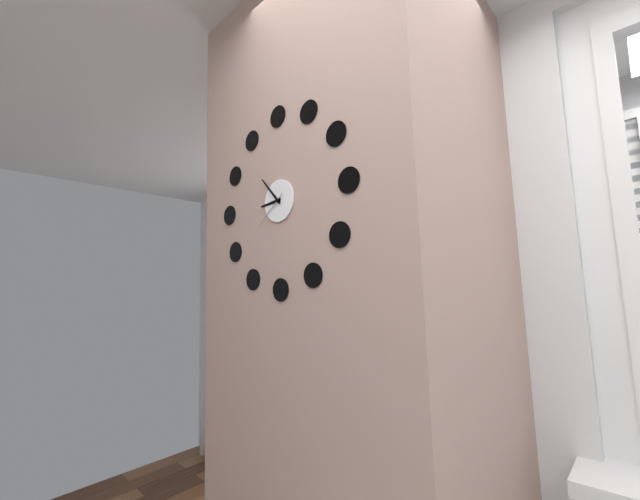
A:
h=8 m=53
